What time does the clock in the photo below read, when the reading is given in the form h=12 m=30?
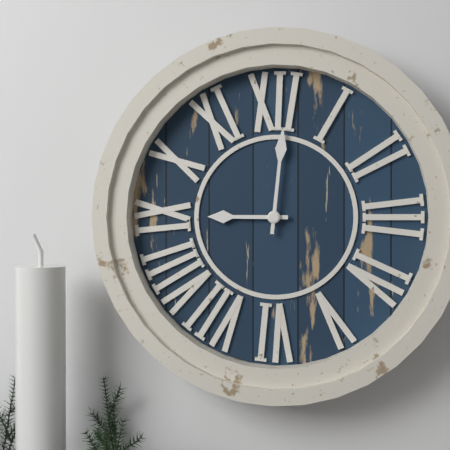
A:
h=9 m=1
